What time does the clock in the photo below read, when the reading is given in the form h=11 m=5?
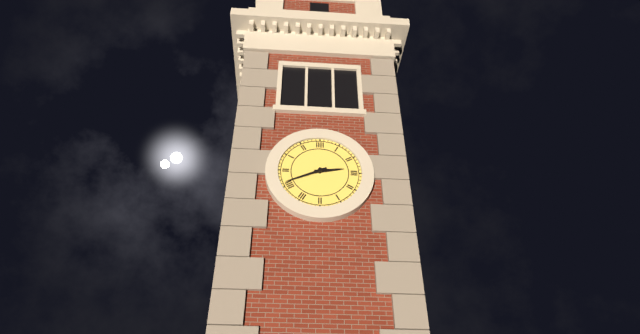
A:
h=2 m=41
